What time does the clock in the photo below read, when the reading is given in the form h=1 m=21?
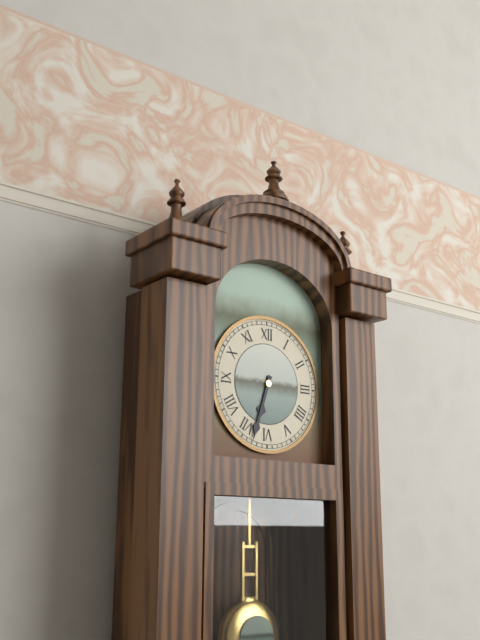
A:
h=6 m=33
